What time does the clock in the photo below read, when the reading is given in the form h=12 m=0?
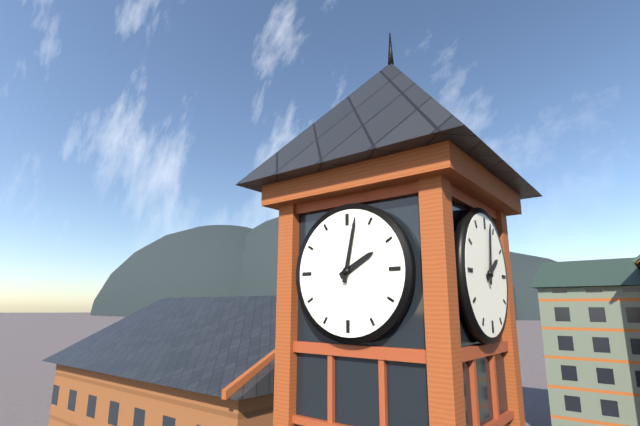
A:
h=2 m=2
